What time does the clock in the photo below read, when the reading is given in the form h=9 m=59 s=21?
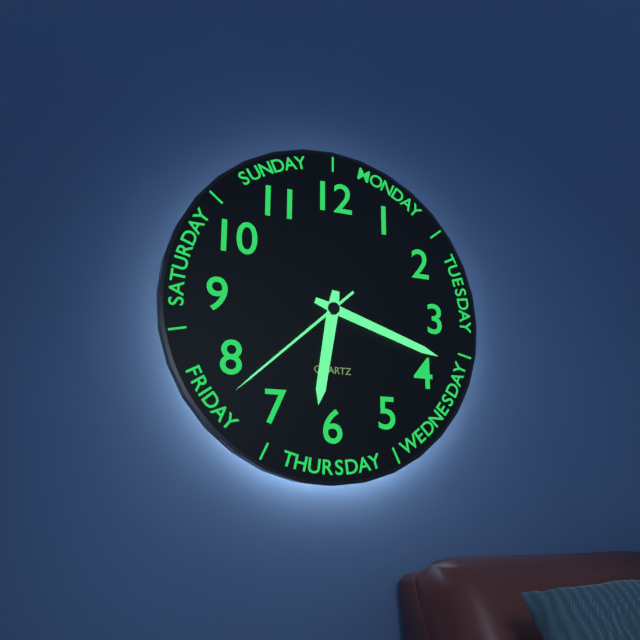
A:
h=6 m=18 s=38
